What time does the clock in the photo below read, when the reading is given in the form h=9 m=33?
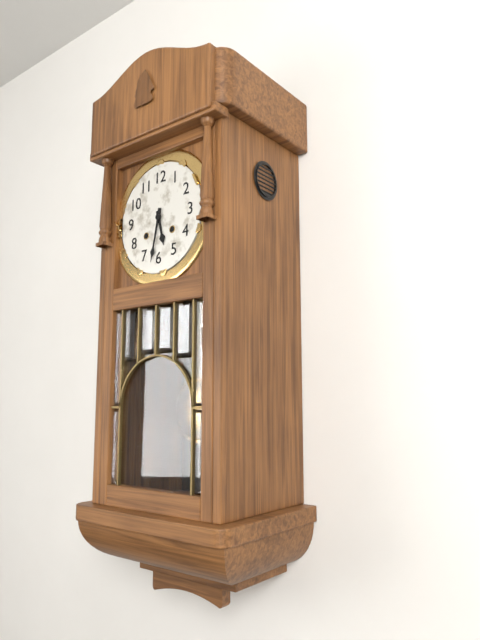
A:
h=5 m=32
